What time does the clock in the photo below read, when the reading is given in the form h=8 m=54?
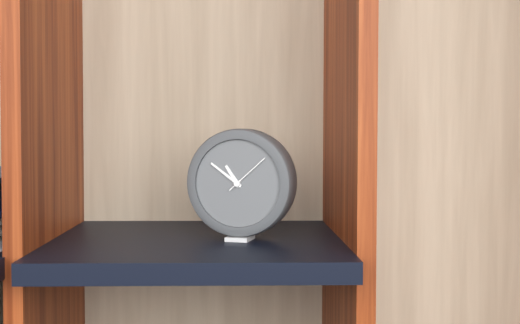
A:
h=10 m=51
